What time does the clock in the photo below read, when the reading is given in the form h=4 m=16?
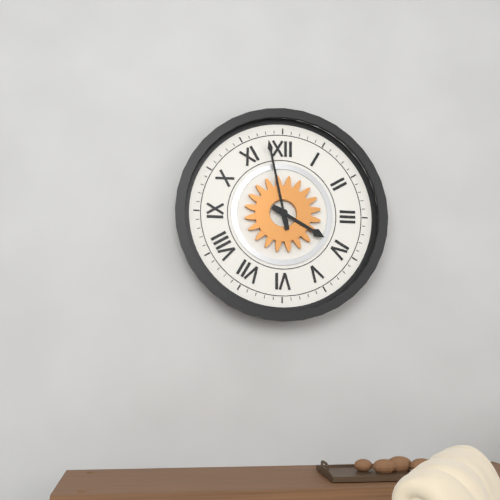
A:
h=3 m=58
